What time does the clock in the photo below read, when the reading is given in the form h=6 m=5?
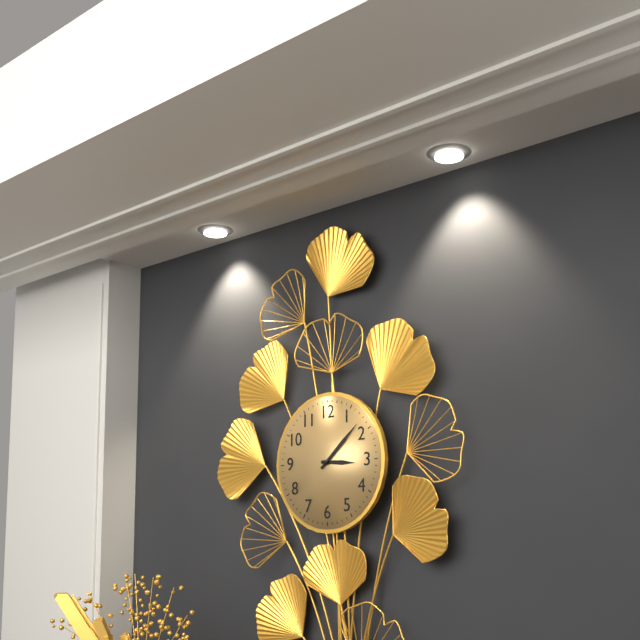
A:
h=3 m=8
